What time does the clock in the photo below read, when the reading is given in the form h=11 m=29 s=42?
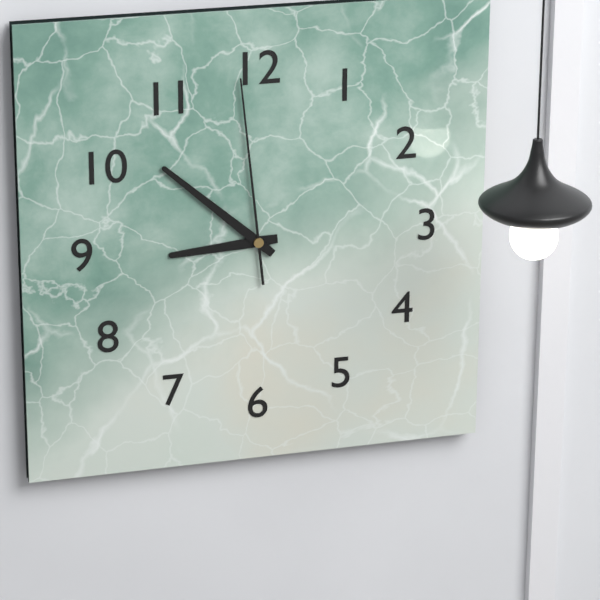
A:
h=8 m=52 s=59
